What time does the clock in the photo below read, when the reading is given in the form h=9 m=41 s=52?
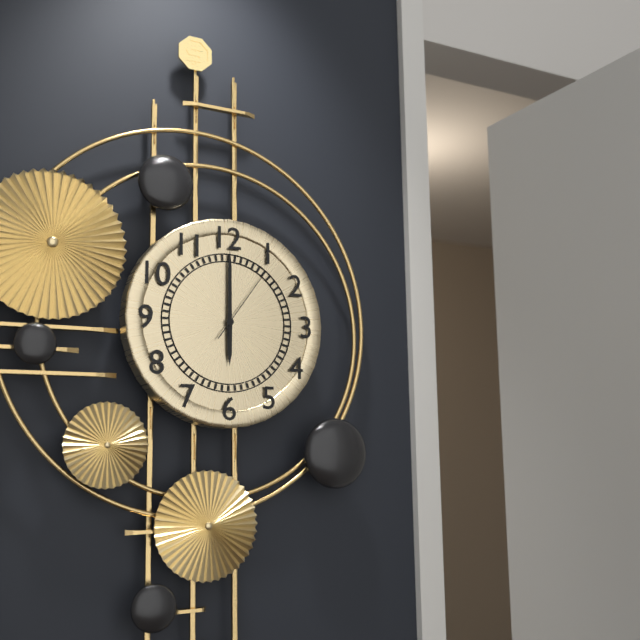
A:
h=6 m=0 s=6
